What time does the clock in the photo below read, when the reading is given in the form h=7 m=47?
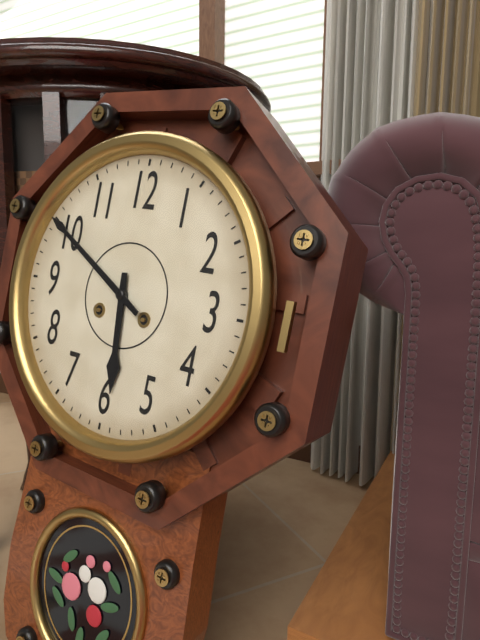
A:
h=5 m=50
